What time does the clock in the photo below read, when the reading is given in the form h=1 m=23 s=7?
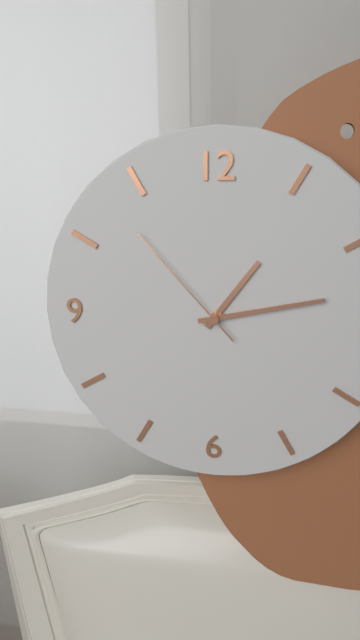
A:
h=1 m=13 s=53
